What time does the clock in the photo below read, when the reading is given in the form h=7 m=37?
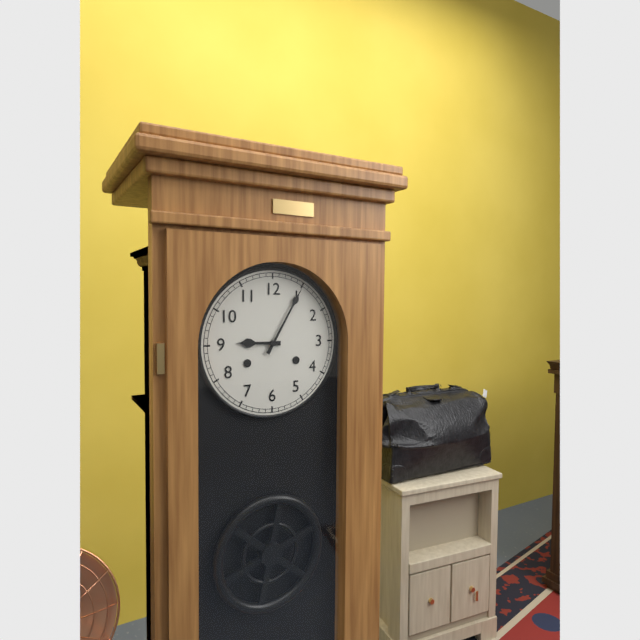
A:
h=9 m=5
